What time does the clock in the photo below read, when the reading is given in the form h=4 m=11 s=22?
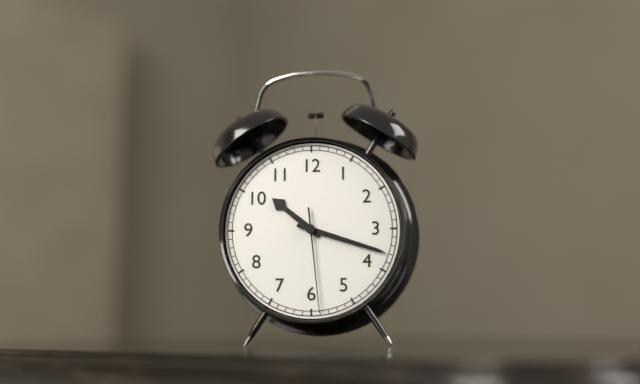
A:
h=10 m=18 s=29
